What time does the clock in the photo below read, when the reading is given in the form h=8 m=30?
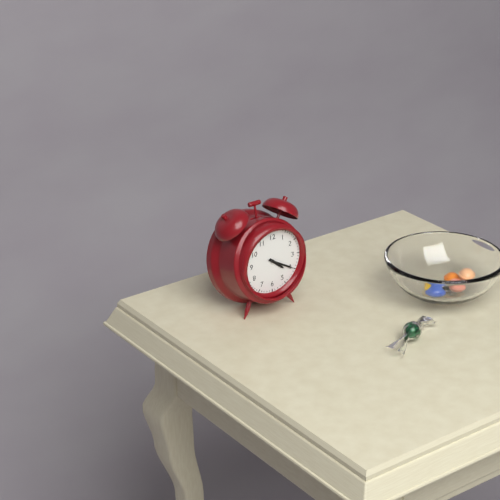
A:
h=4 m=20
